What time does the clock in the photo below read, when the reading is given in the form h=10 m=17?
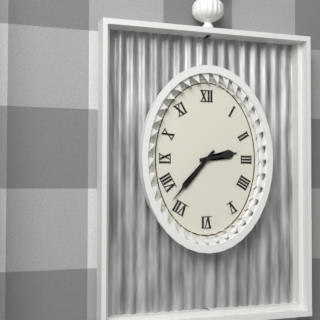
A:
h=2 m=37
